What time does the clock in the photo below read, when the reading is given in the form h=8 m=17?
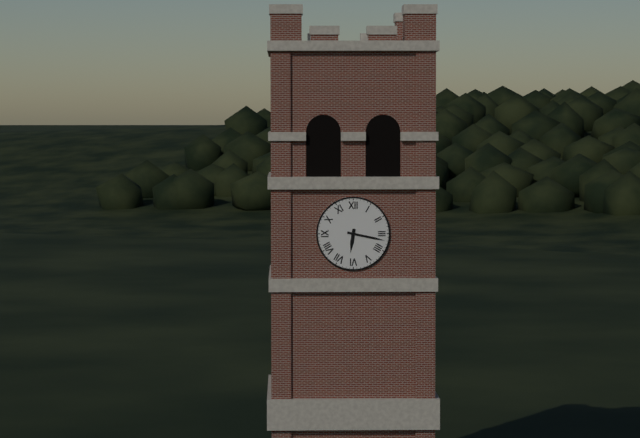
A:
h=6 m=17
